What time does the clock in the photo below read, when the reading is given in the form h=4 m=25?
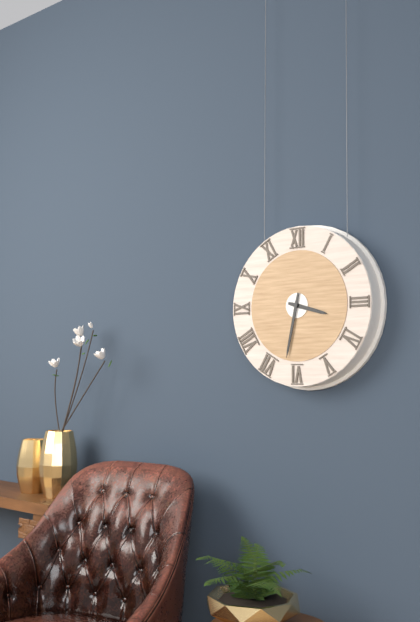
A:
h=3 m=32
